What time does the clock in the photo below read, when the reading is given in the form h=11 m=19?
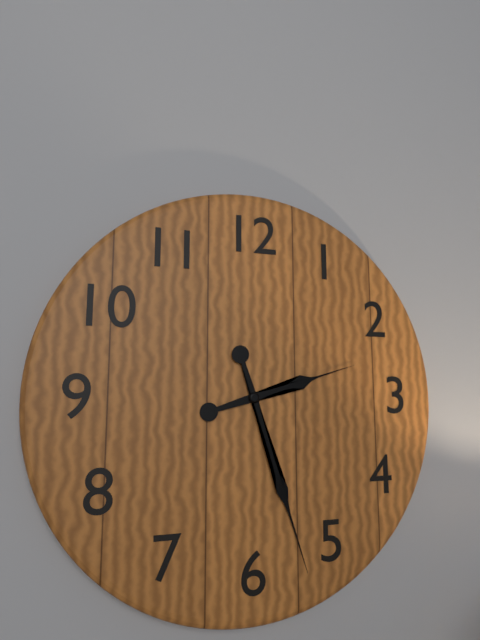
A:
h=2 m=27
